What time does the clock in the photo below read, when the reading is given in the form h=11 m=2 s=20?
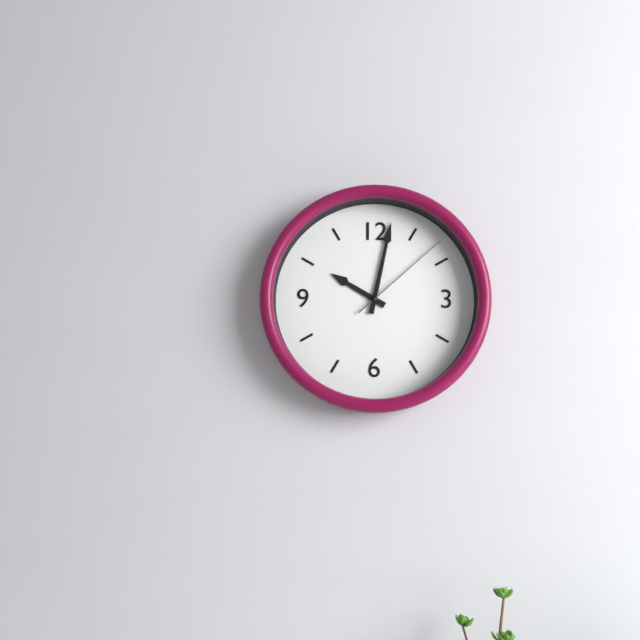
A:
h=10 m=2 s=8
